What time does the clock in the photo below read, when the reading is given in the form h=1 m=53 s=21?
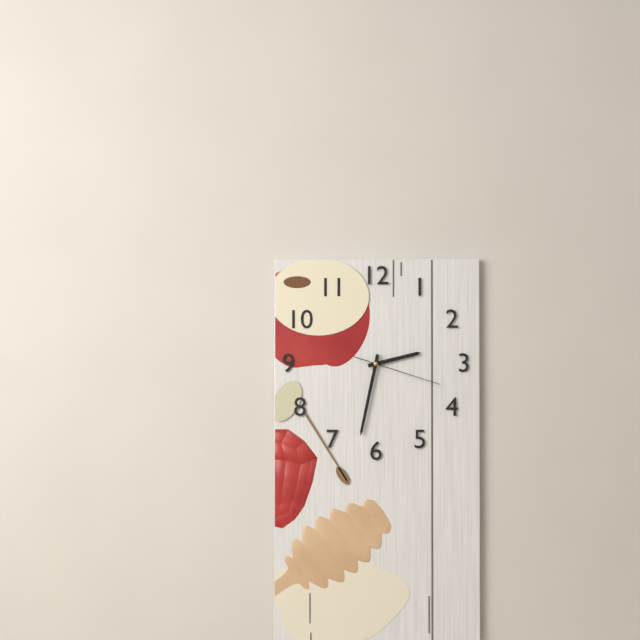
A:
h=2 m=32 s=18
